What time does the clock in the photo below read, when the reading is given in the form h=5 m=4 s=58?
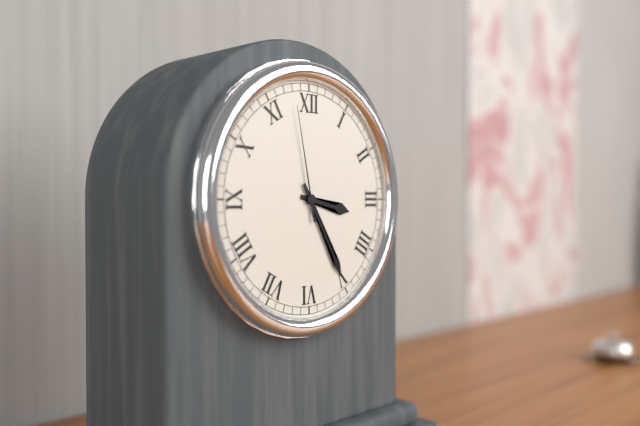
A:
h=3 m=25 s=58
